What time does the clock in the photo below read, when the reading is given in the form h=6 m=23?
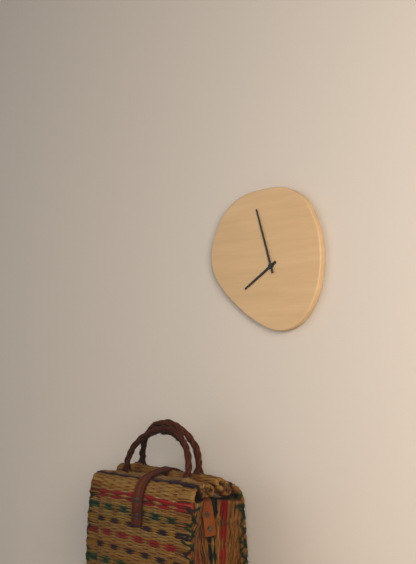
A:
h=7 m=57
